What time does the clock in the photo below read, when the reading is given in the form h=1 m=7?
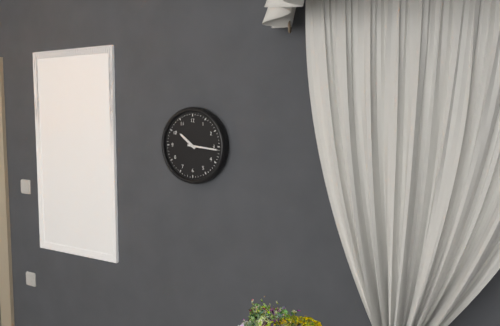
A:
h=10 m=16
